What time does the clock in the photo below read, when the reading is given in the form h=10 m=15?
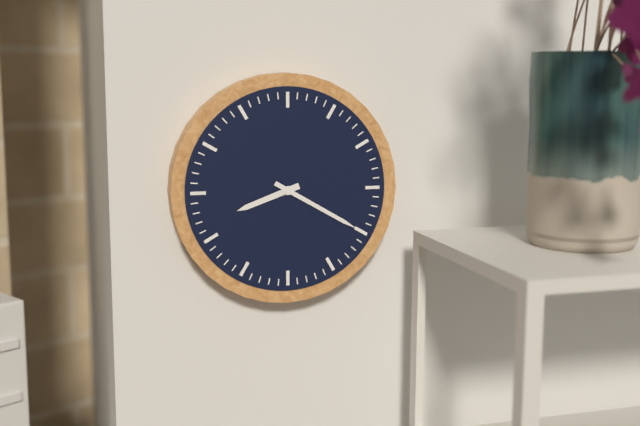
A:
h=8 m=20
